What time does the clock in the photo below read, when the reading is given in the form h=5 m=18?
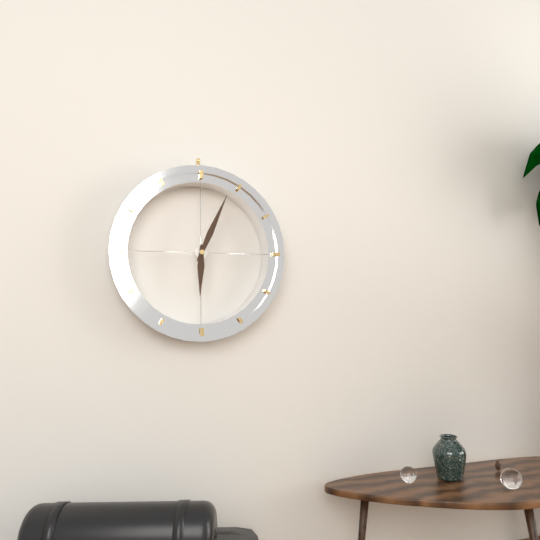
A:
h=6 m=4
